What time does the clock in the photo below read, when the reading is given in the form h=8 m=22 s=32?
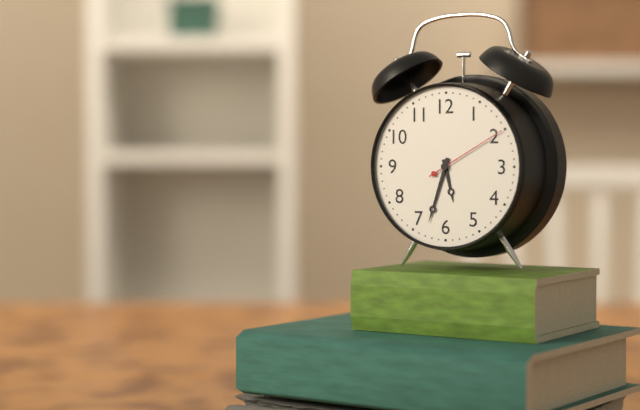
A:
h=5 m=33 s=10
